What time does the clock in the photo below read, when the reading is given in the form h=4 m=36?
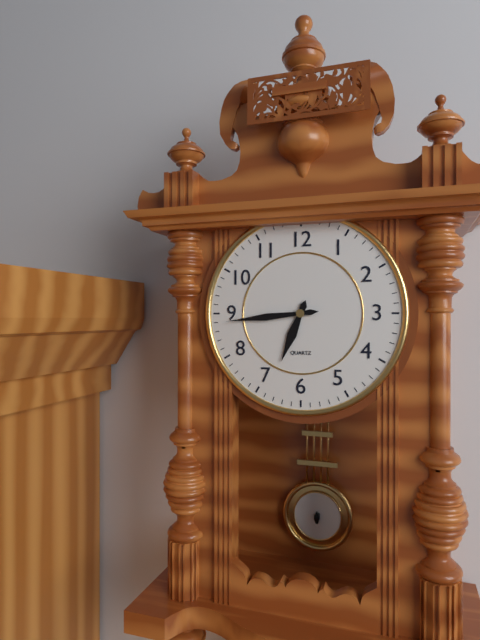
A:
h=6 m=44
